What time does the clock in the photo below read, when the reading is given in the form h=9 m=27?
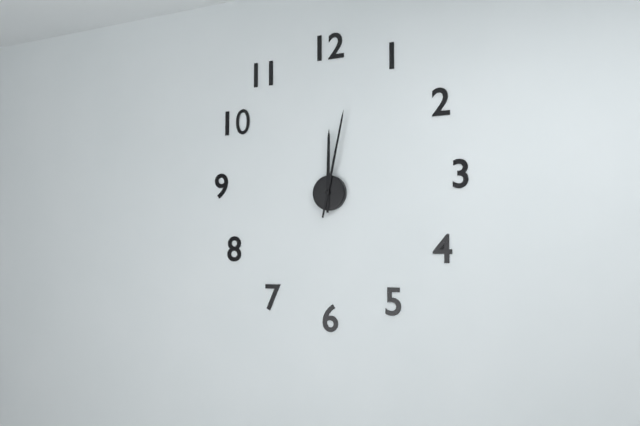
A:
h=12 m=2
